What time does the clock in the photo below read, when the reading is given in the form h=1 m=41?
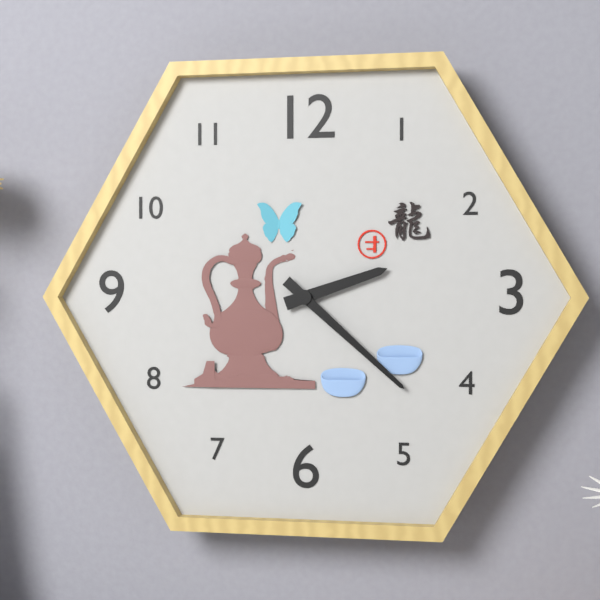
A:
h=2 m=22
